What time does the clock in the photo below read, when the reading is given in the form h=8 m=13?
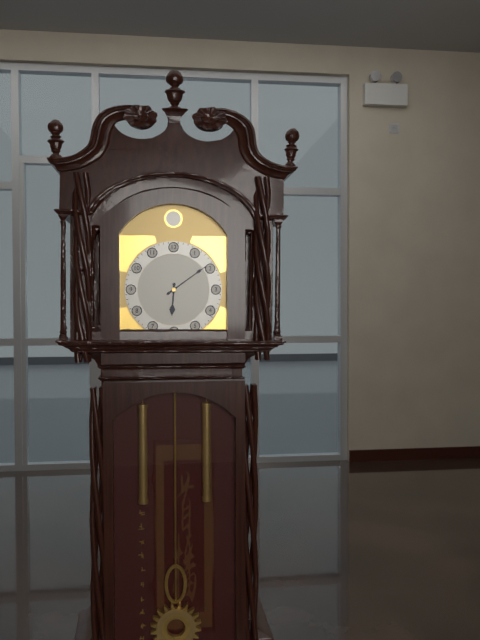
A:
h=6 m=9
